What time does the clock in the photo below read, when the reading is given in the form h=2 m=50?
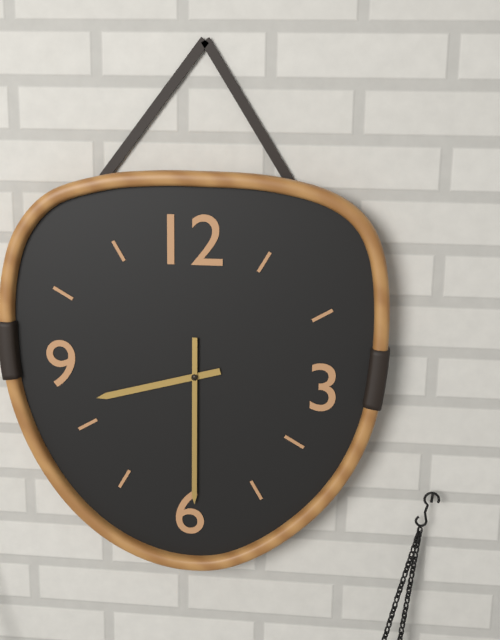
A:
h=8 m=30
